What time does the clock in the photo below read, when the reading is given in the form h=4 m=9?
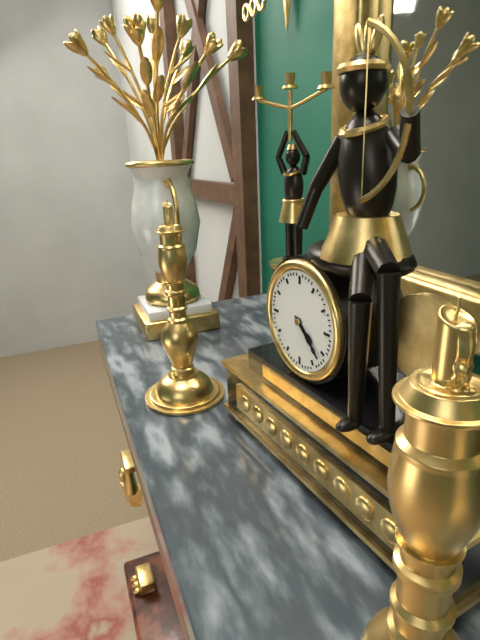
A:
h=4 m=22
